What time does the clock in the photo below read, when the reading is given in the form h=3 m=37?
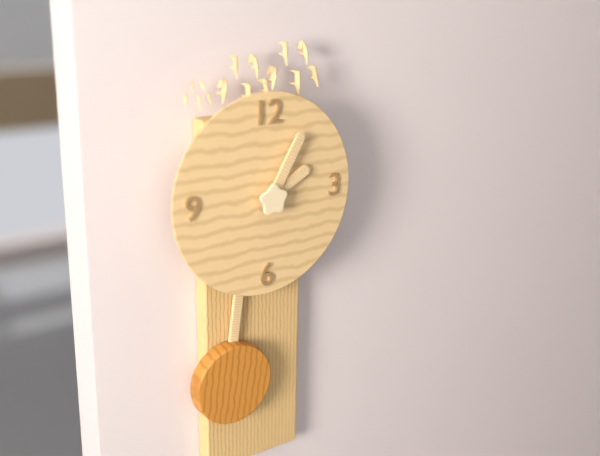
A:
h=2 m=5
